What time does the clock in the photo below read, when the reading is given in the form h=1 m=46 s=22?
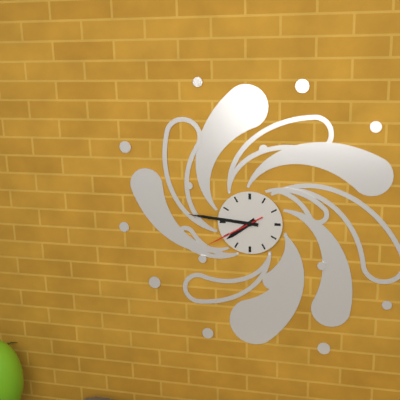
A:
h=7 m=46 s=40
